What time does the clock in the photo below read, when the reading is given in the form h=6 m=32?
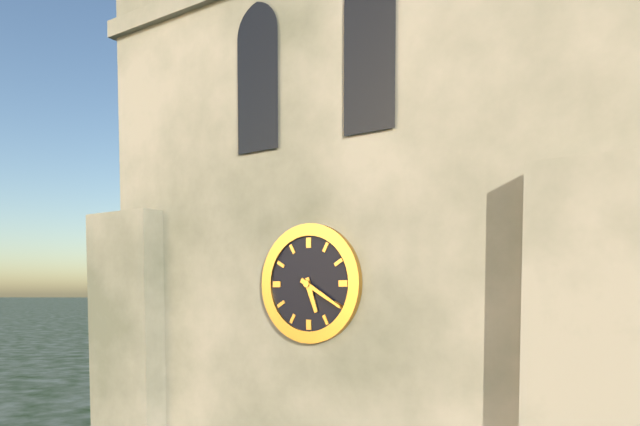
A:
h=5 m=20
